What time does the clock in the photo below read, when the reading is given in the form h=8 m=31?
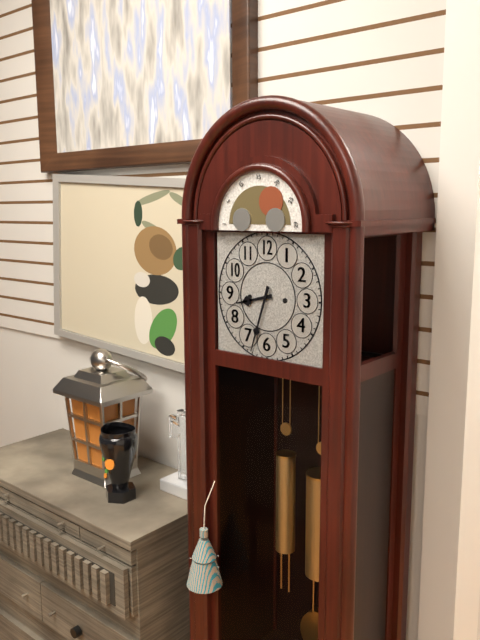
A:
h=8 m=33
